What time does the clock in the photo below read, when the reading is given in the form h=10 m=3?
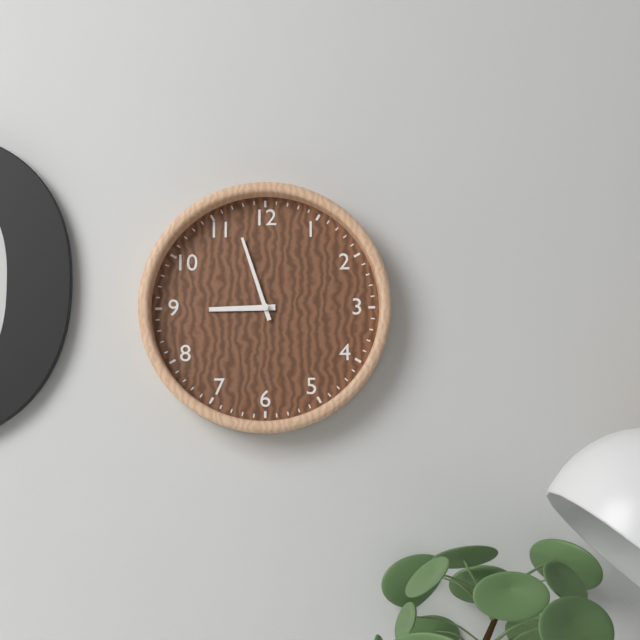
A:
h=8 m=57
